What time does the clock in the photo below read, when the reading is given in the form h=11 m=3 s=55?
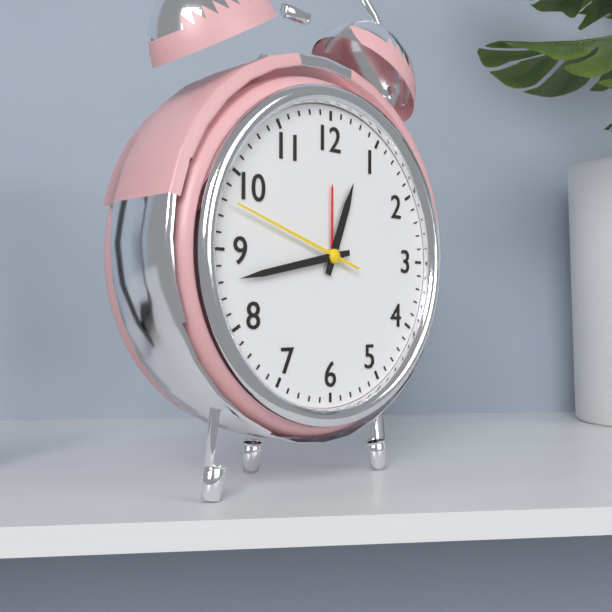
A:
h=12 m=43 s=48
